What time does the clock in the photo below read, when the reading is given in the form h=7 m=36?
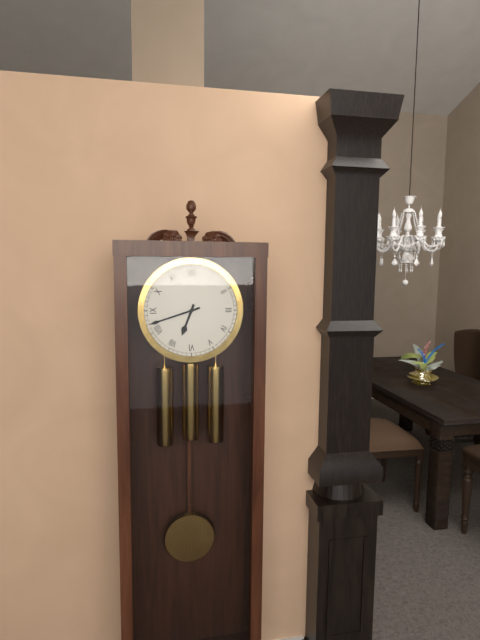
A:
h=6 m=42
